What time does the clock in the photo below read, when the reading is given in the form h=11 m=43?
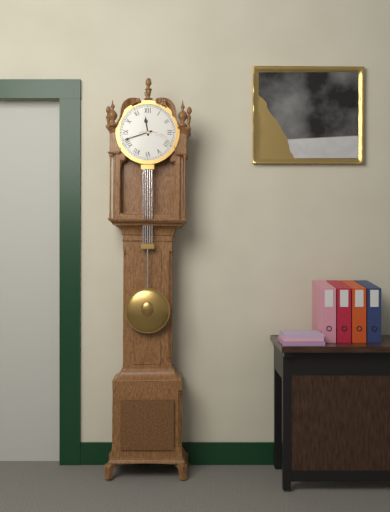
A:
h=11 m=42
